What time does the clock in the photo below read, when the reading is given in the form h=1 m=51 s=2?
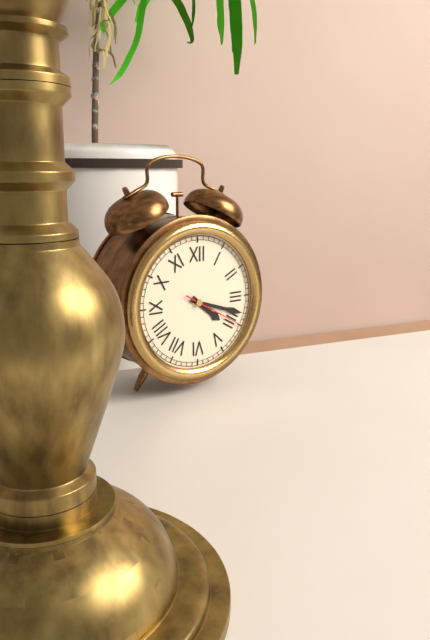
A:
h=4 m=18 s=20
